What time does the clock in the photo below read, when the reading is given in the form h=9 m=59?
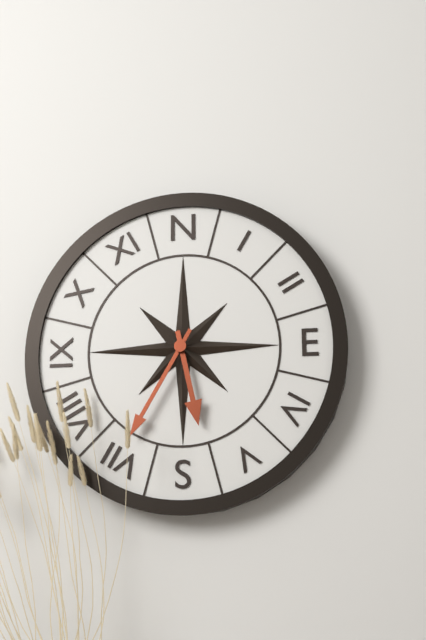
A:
h=5 m=35
